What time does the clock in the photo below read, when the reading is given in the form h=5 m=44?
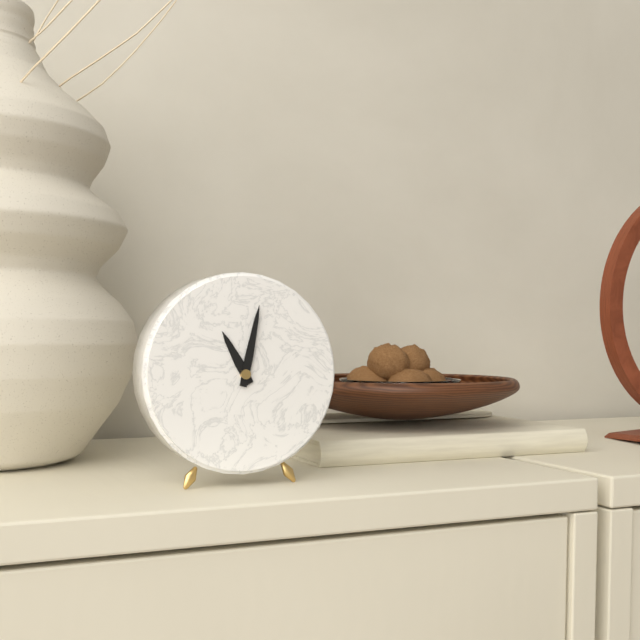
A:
h=11 m=2
